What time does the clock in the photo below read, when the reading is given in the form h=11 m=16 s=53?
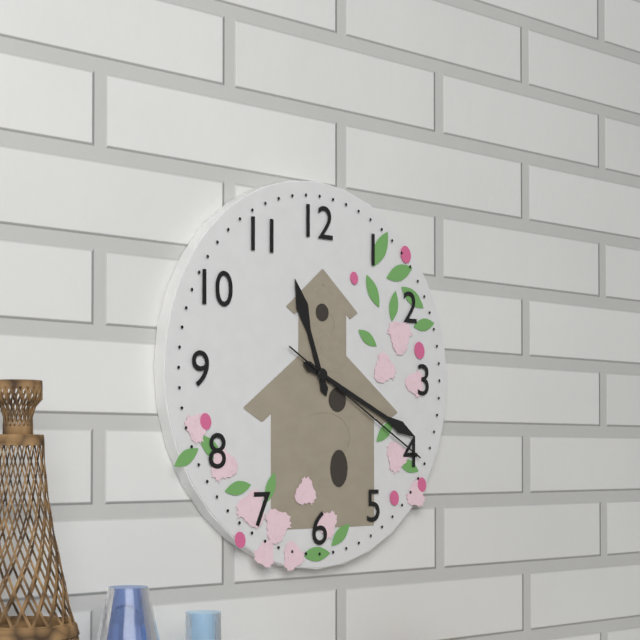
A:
h=11 m=19 s=20
